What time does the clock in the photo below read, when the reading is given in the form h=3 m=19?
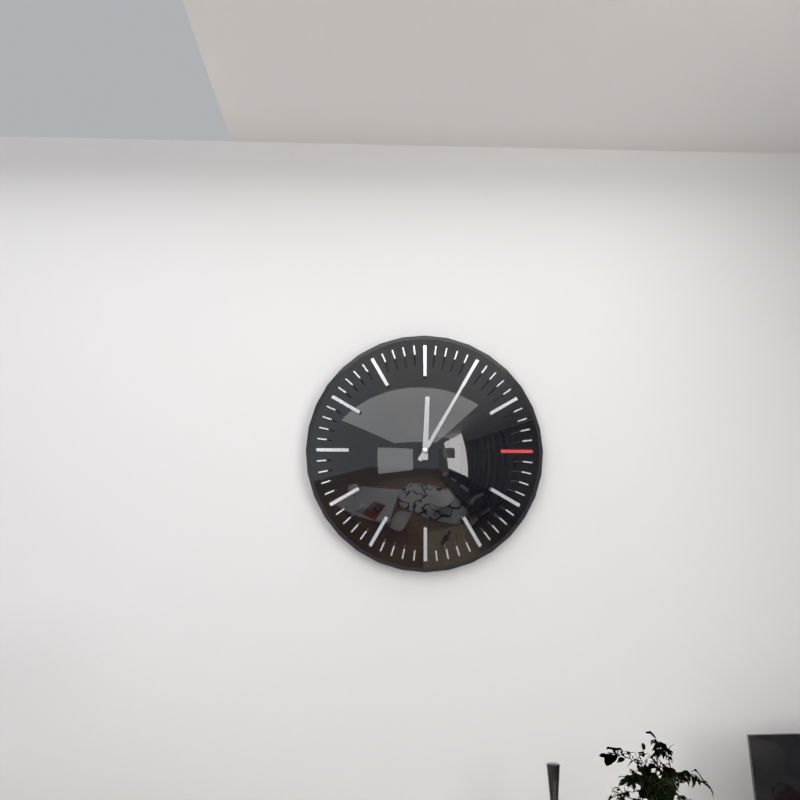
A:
h=12 m=5
